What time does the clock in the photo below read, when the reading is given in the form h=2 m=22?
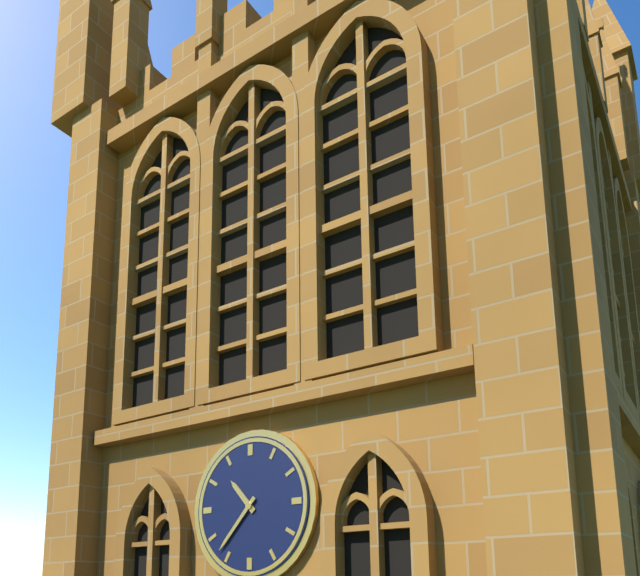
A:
h=10 m=37
